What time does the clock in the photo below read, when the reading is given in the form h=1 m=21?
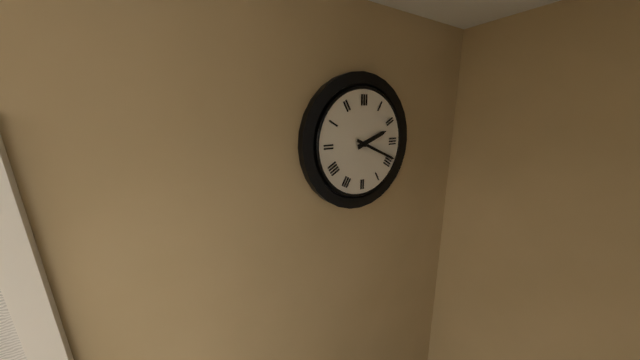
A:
h=2 m=19
